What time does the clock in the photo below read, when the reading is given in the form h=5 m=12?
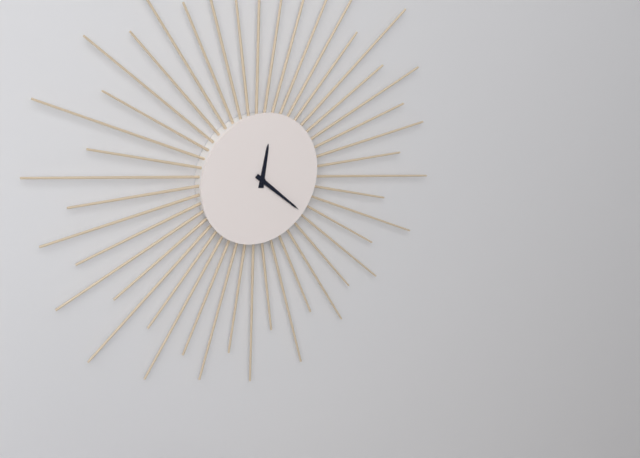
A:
h=12 m=22
